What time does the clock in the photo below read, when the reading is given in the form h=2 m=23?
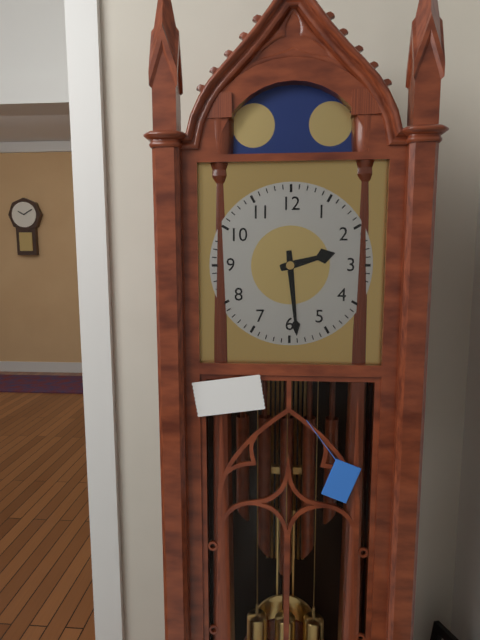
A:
h=2 m=29
